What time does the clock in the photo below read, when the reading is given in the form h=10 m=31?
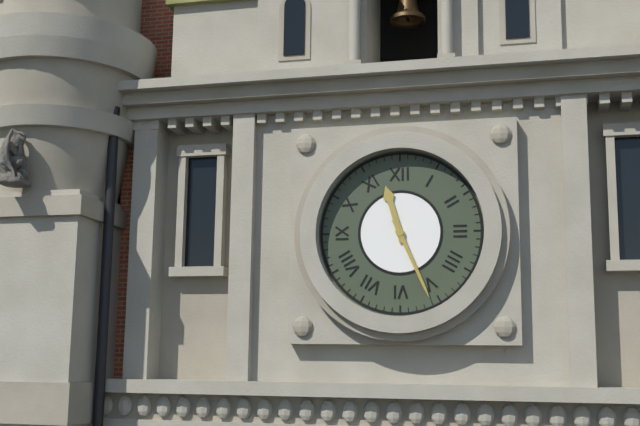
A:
h=11 m=26
